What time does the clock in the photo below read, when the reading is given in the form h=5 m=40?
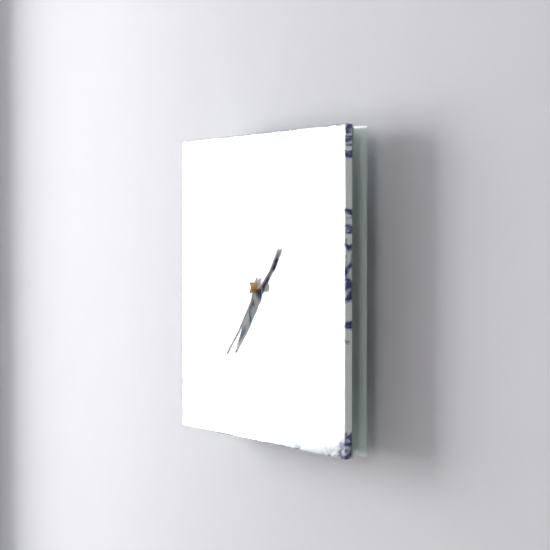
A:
h=1 m=36
